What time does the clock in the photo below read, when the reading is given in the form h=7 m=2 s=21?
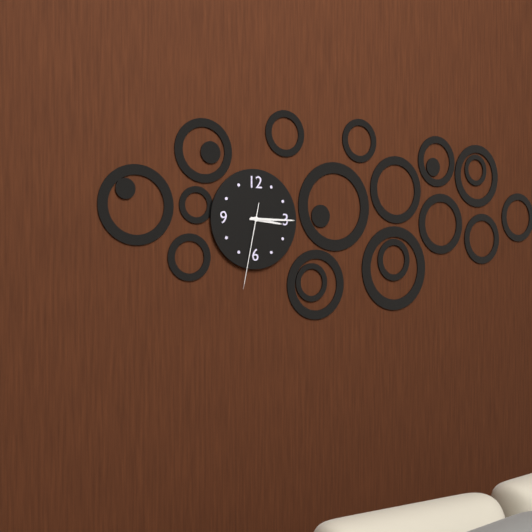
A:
h=3 m=15 s=32
